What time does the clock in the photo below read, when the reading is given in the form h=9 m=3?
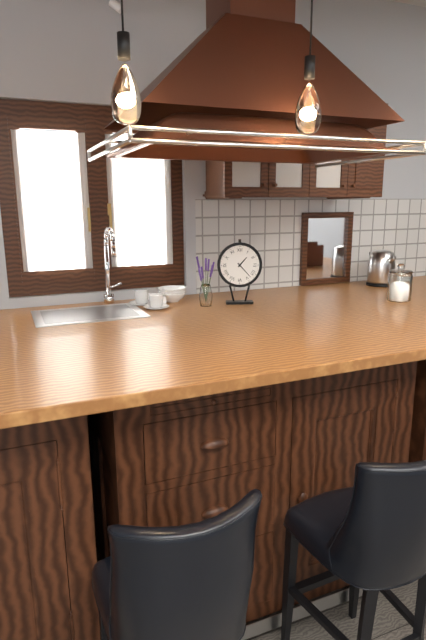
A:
h=1 m=23
